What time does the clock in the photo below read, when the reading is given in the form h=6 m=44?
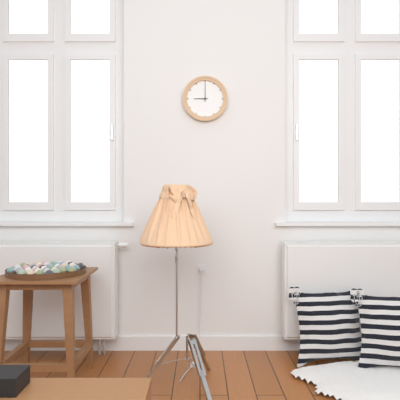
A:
h=9 m=0
